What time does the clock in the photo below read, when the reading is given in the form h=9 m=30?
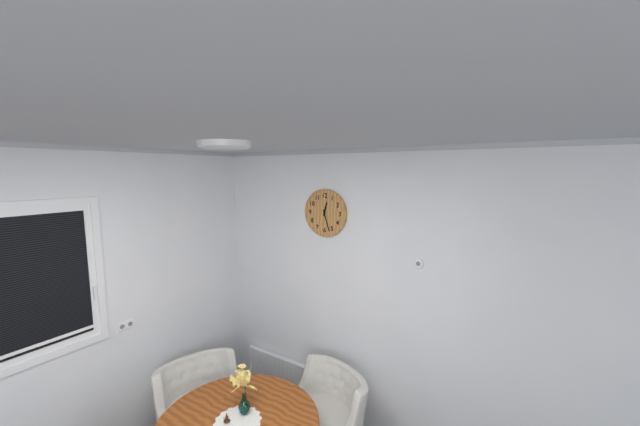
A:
h=12 m=27
